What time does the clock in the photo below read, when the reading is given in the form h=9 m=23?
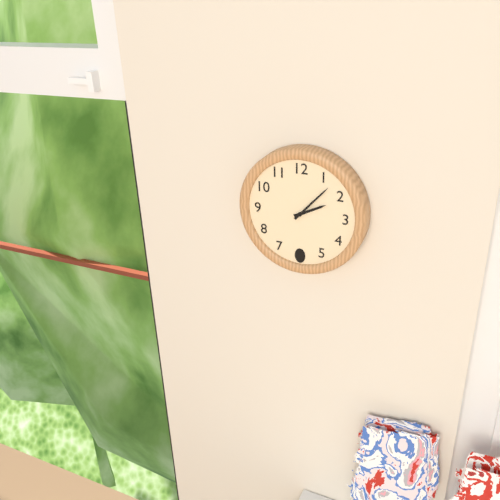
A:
h=2 m=7
